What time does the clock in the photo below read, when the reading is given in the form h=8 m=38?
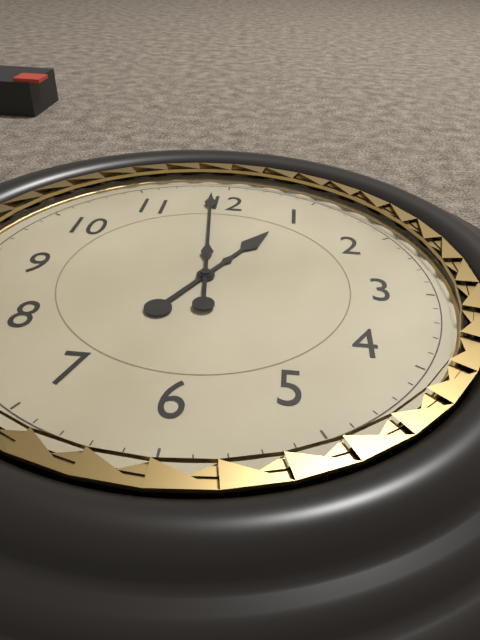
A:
h=12 m=59
